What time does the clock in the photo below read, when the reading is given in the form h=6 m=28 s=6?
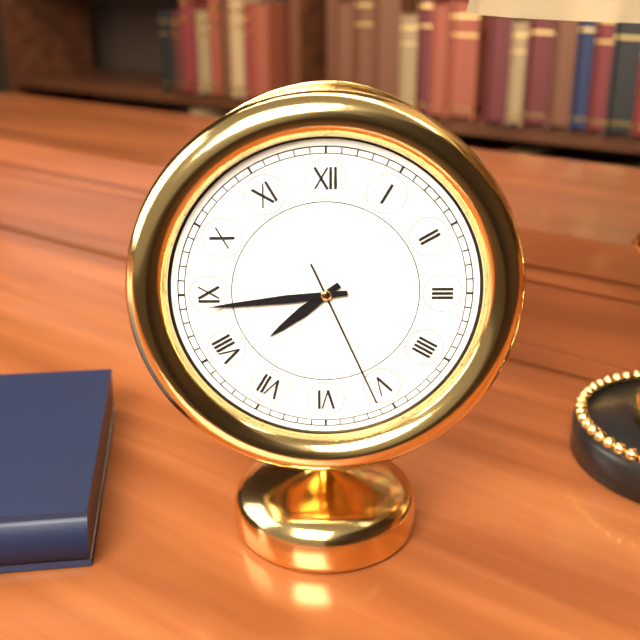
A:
h=7 m=44 s=26
